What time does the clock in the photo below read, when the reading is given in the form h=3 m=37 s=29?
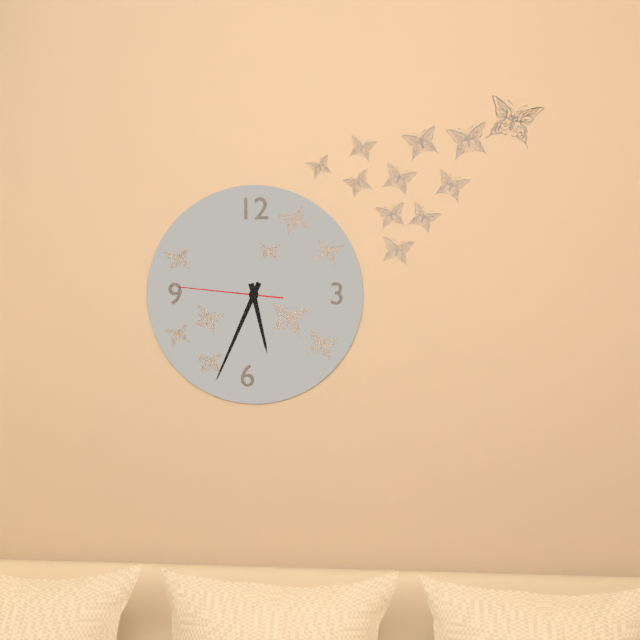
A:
h=5 m=34 s=46
